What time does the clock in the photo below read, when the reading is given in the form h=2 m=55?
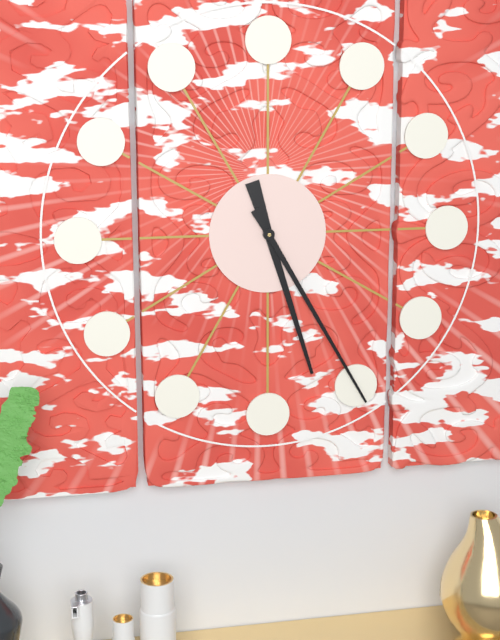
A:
h=5 m=25
